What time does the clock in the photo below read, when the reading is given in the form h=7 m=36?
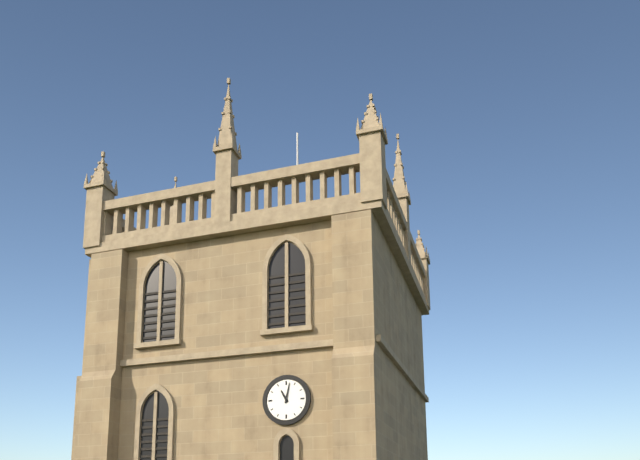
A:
h=11 m=2
